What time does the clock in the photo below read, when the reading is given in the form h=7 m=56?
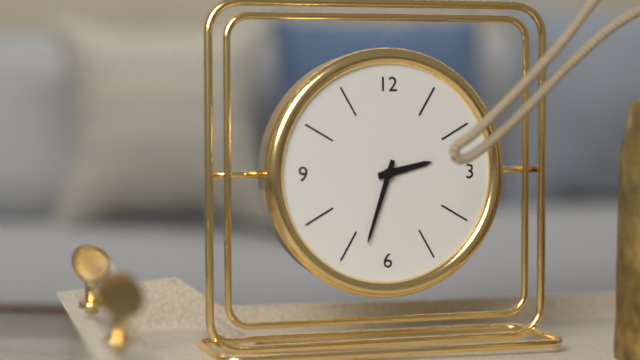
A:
h=2 m=33
